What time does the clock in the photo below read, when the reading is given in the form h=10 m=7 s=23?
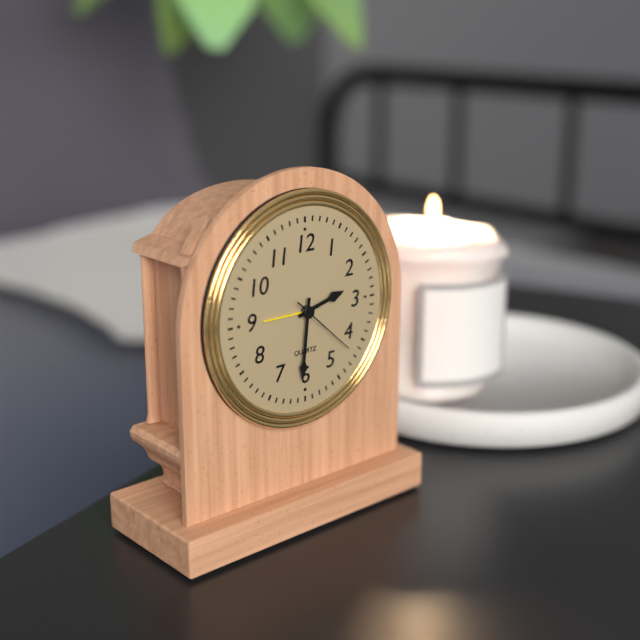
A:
h=2 m=31 s=22
